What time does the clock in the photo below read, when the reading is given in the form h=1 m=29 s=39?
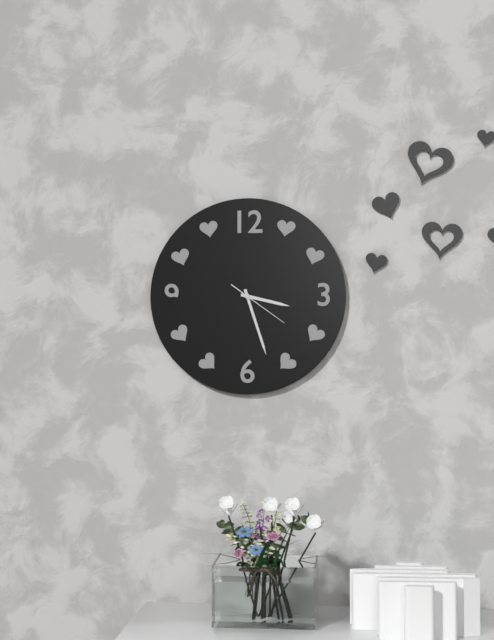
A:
h=3 m=27 s=21
